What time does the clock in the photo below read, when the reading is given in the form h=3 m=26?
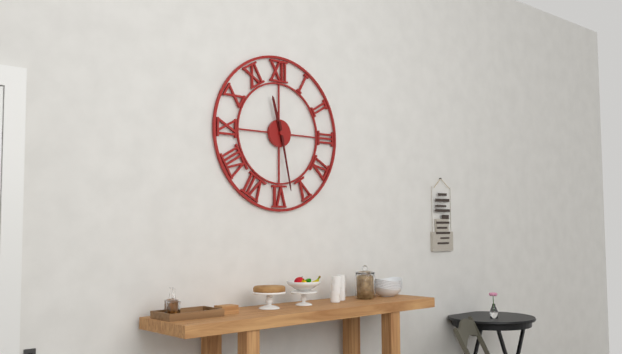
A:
h=11 m=28
